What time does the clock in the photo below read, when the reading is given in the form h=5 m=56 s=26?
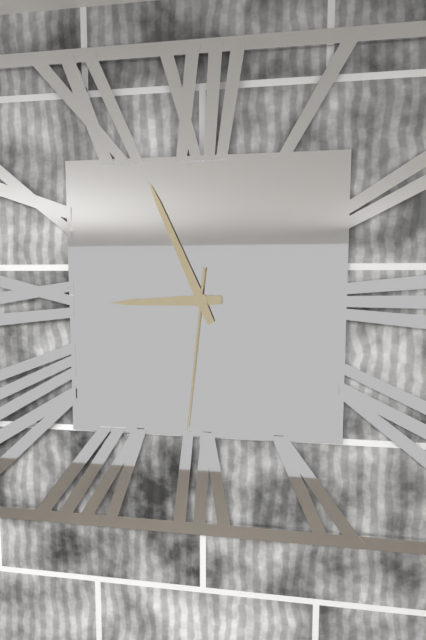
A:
h=8 m=56 s=31
